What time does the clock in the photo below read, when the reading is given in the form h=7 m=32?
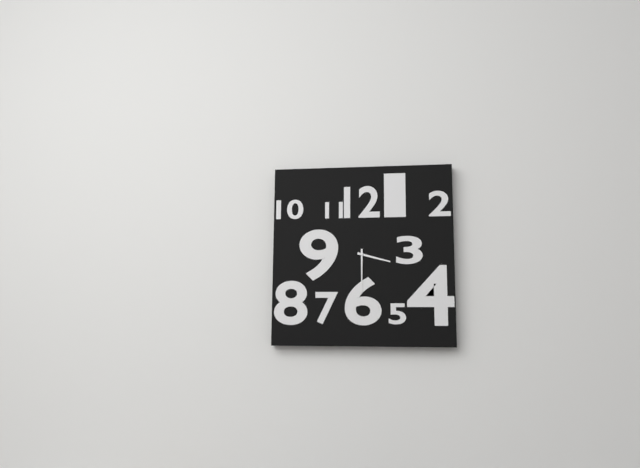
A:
h=3 m=30
